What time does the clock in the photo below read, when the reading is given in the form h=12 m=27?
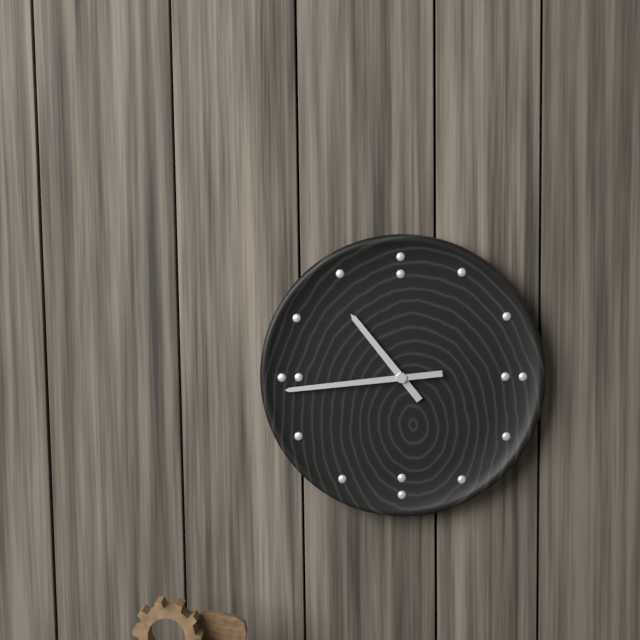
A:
h=10 m=44
